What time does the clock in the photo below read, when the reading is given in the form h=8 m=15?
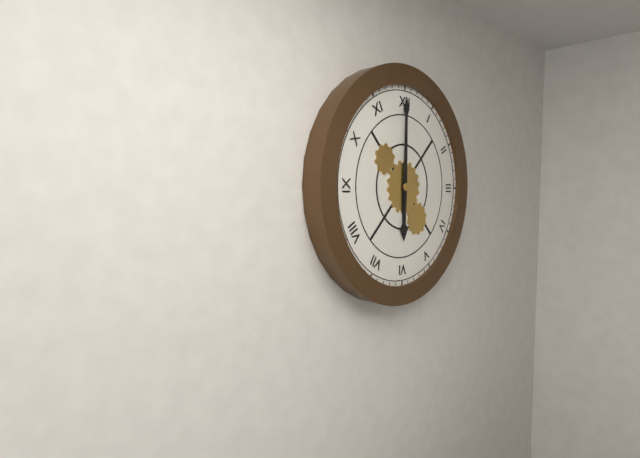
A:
h=6 m=0
